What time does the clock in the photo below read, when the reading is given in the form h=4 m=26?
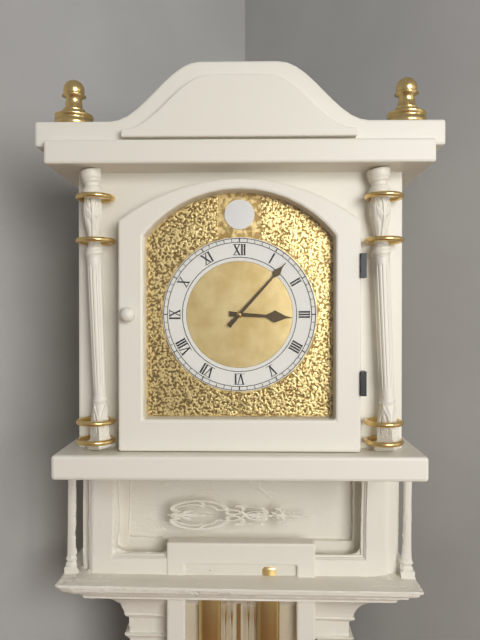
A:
h=3 m=7
